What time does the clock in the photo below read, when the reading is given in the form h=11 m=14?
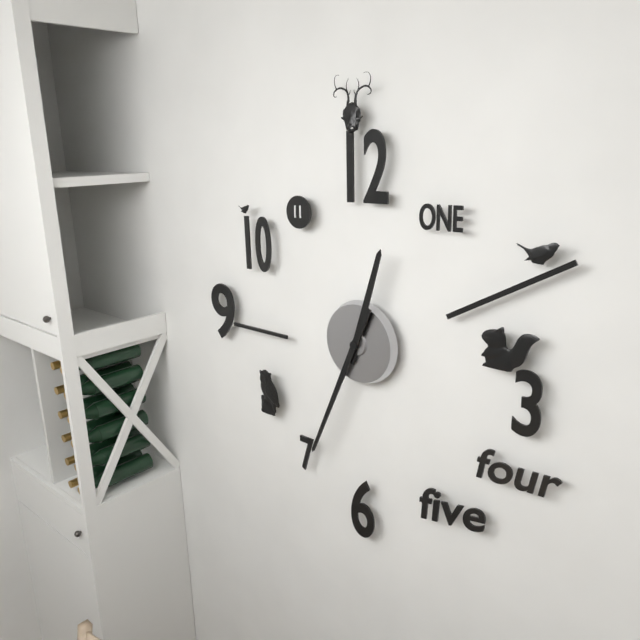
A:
h=12 m=34
